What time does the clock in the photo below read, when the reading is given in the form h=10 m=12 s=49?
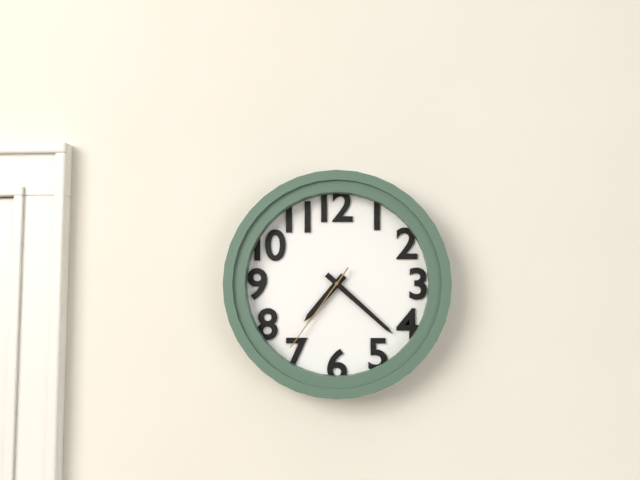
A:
h=7 m=22 s=36
